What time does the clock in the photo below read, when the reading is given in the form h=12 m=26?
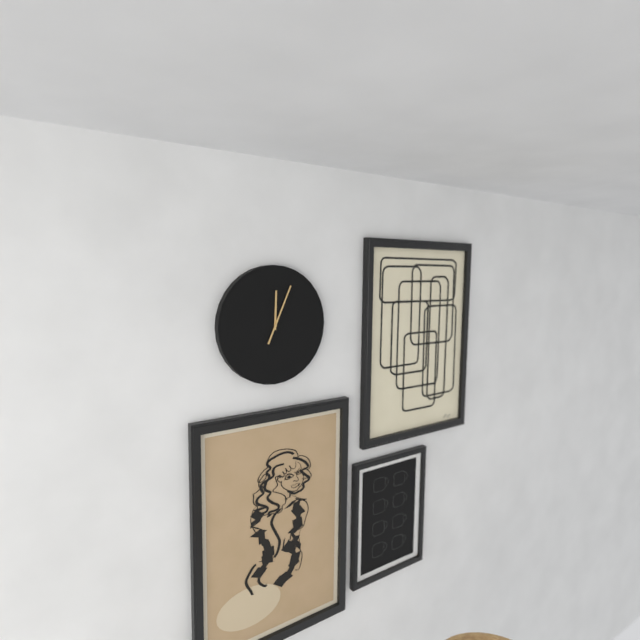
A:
h=12 m=4
